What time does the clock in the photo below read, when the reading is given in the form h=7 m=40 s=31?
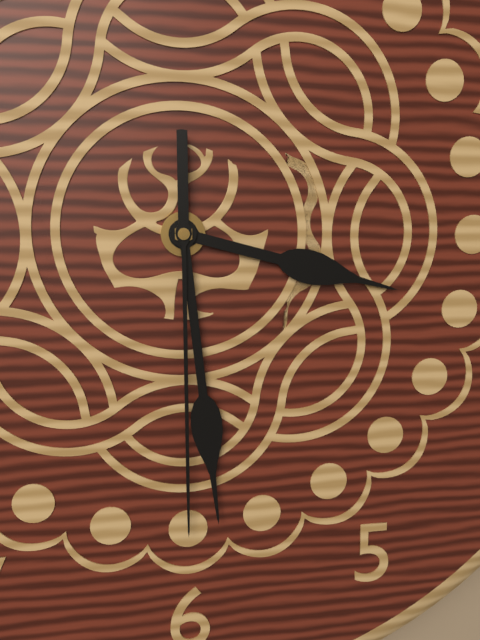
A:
h=3 m=29 s=30
